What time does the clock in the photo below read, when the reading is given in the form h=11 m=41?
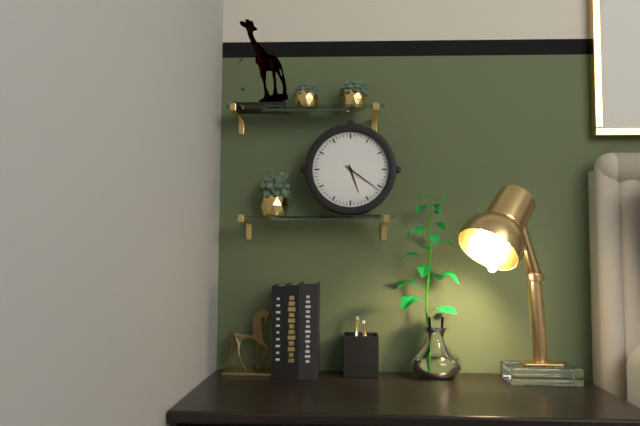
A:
h=5 m=21
